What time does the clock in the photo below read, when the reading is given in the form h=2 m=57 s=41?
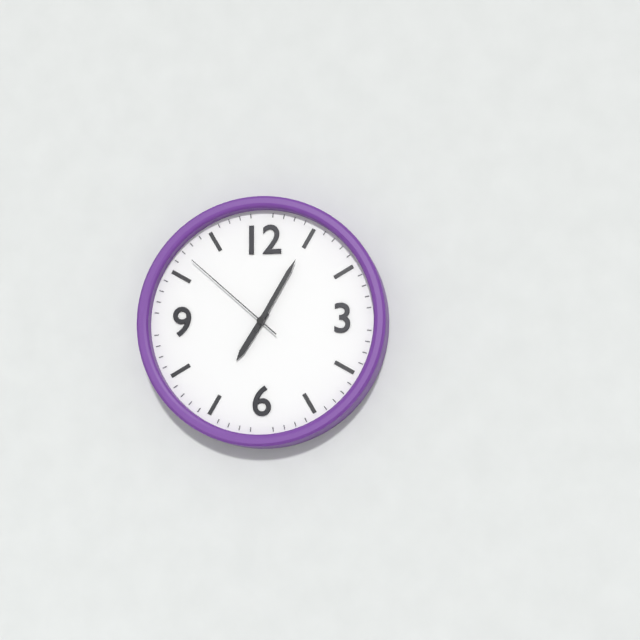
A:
h=7 m=5 s=52
